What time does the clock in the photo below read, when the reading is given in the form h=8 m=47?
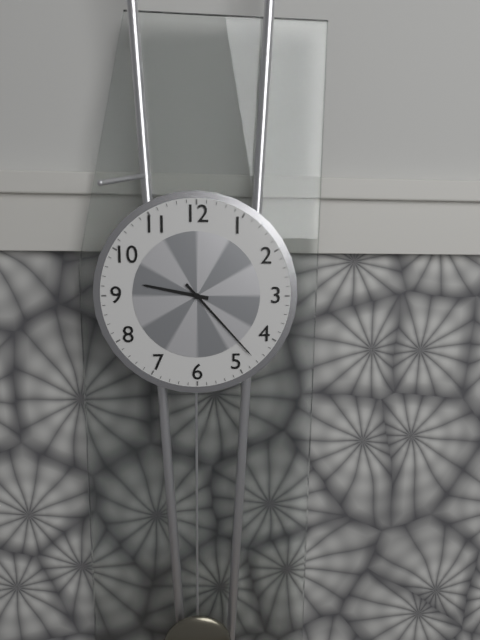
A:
h=9 m=23
